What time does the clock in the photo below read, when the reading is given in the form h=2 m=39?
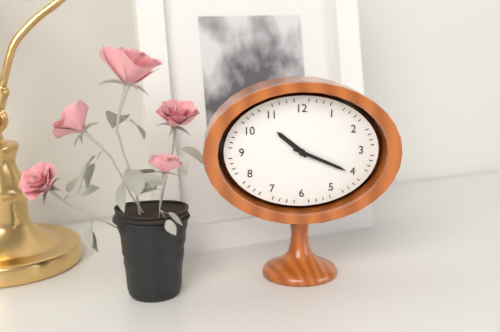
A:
h=10 m=19
